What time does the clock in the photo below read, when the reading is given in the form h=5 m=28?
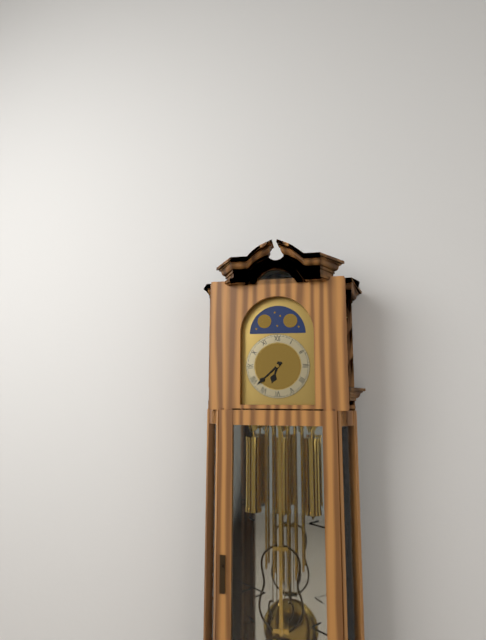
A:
h=6 m=38
